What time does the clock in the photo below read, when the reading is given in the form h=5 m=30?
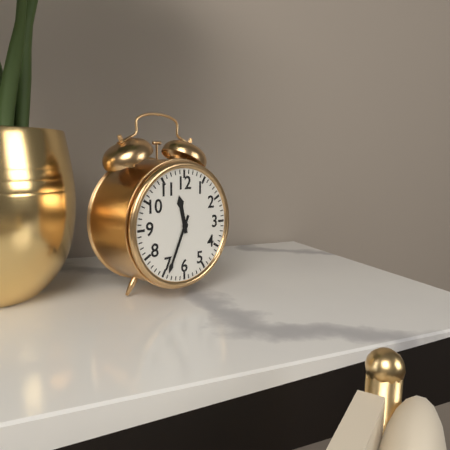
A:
h=11 m=34
